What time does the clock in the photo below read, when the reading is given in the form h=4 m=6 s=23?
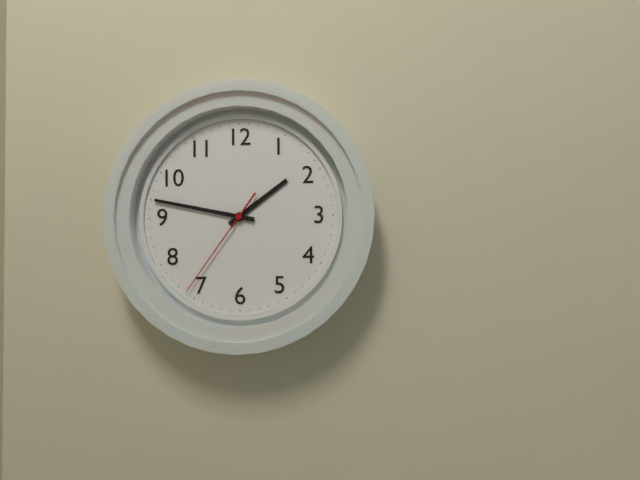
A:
h=1 m=47 s=36
